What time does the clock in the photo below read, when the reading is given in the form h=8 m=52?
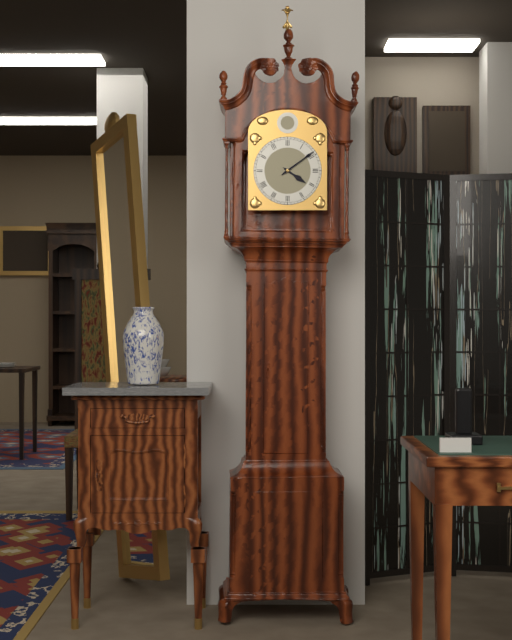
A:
h=4 m=9
